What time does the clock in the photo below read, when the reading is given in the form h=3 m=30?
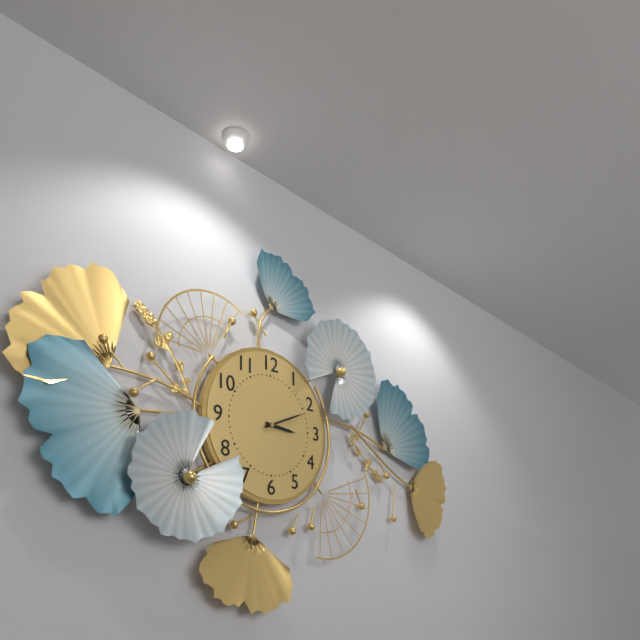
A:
h=3 m=11
